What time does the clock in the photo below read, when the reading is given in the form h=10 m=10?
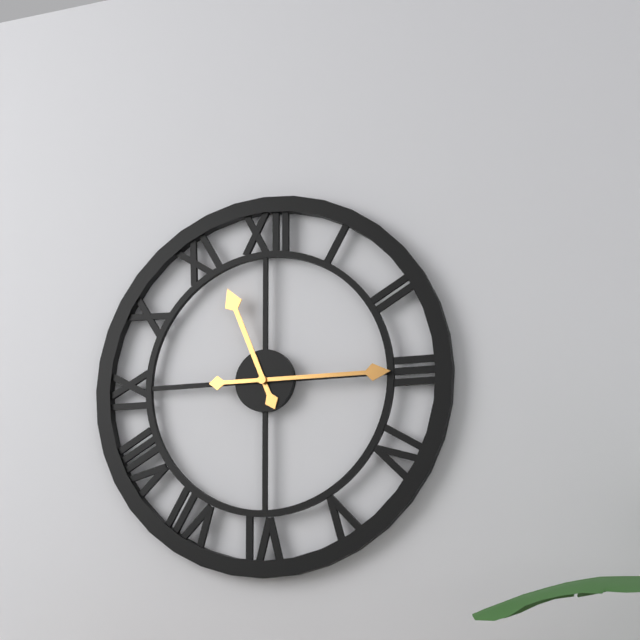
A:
h=11 m=15
